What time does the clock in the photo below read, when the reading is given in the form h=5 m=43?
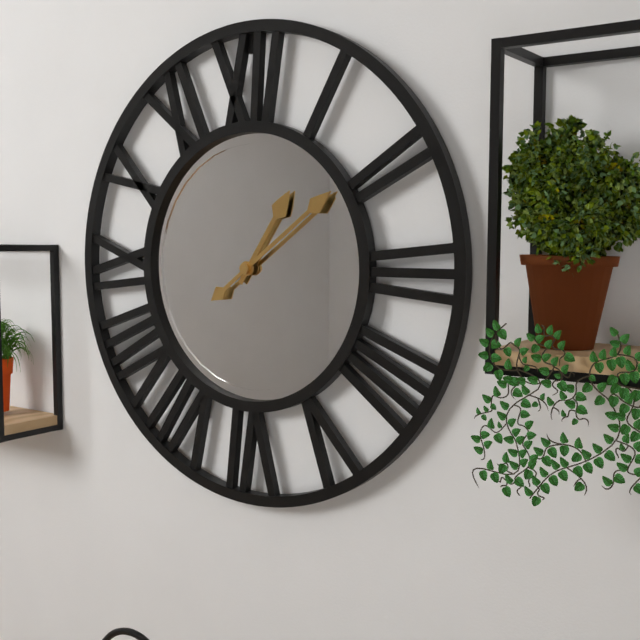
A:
h=1 m=9
